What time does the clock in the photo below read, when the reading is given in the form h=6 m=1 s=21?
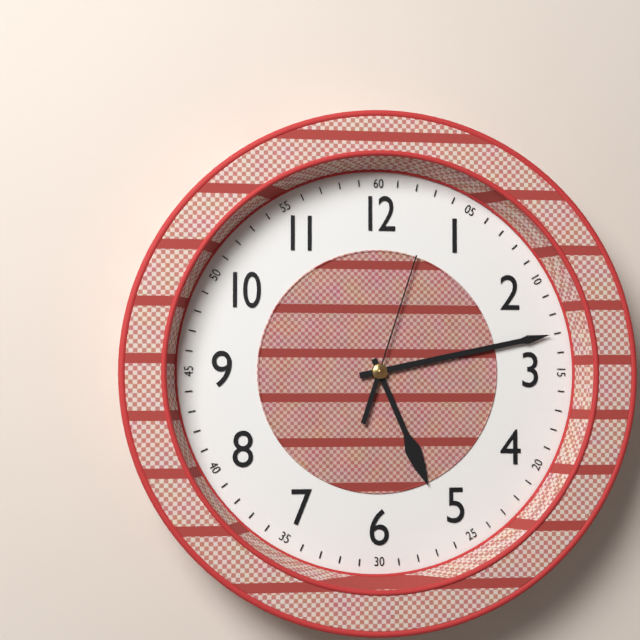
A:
h=5 m=13 s=3
